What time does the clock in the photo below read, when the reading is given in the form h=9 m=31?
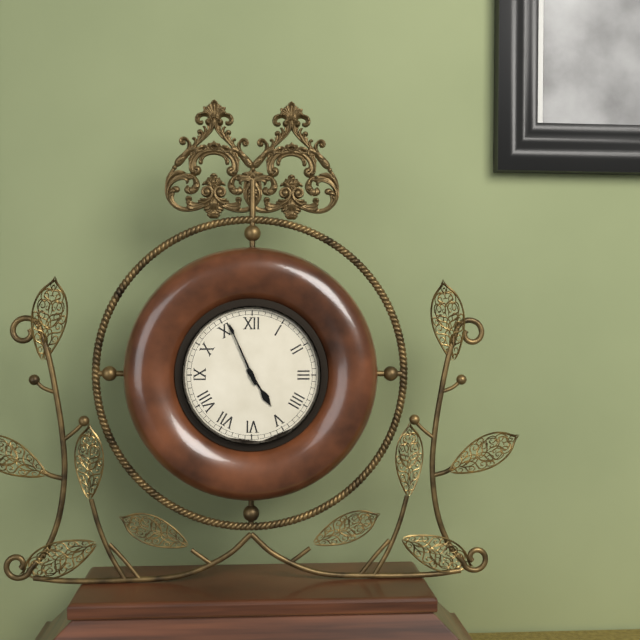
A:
h=4 m=56
